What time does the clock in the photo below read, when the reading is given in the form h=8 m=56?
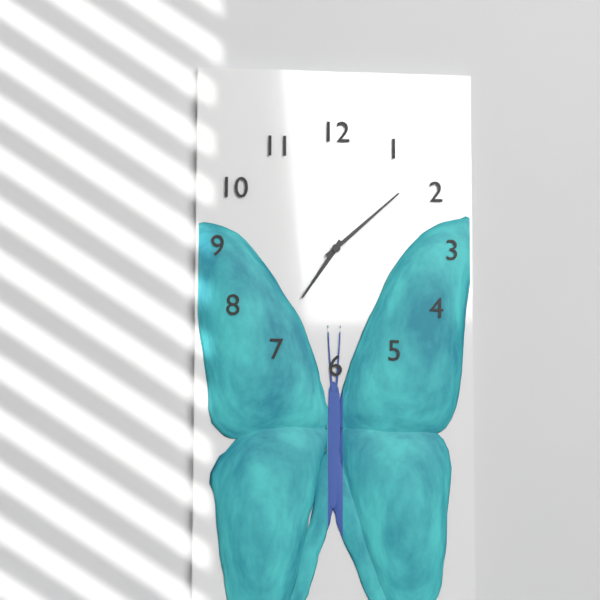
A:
h=7 m=8
